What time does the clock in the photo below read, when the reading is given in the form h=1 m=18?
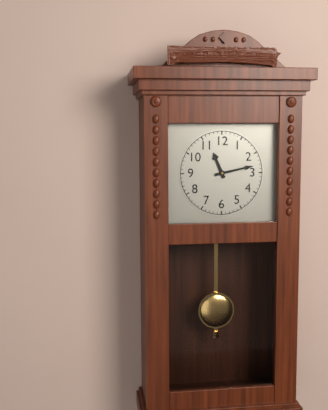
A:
h=11 m=13
